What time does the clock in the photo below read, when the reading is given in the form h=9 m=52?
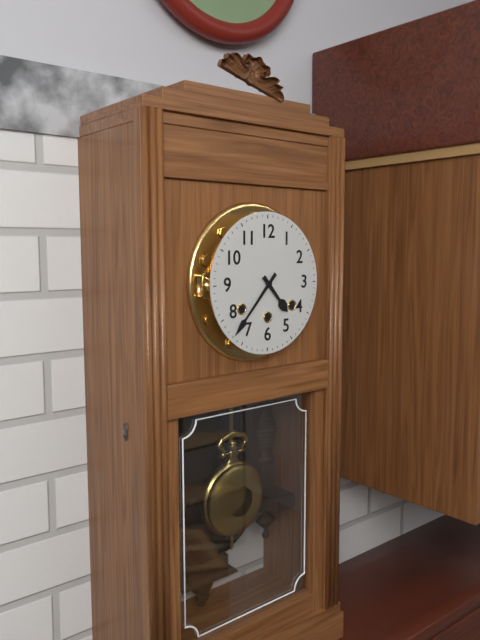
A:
h=4 m=37
